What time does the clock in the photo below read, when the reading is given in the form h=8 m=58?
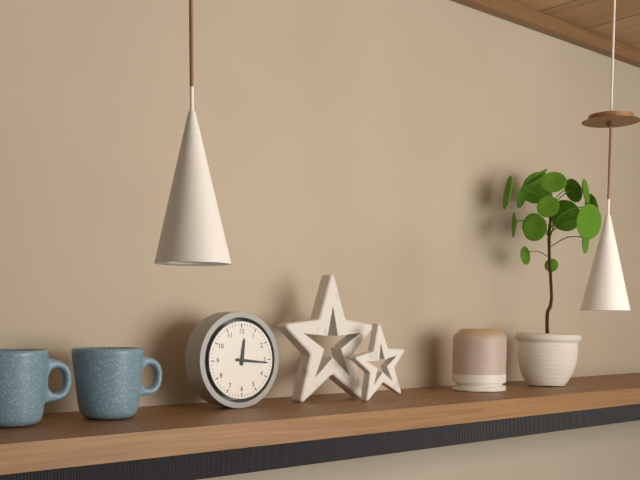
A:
h=12 m=16
